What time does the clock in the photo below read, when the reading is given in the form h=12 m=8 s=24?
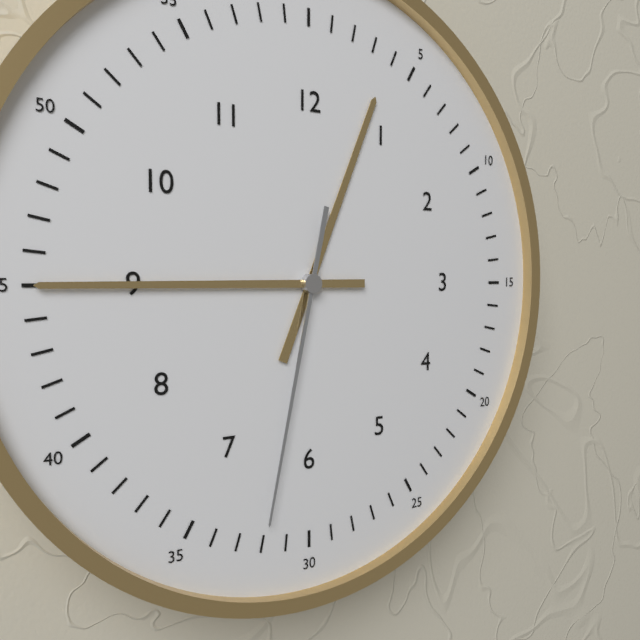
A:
h=12 m=45 s=32
